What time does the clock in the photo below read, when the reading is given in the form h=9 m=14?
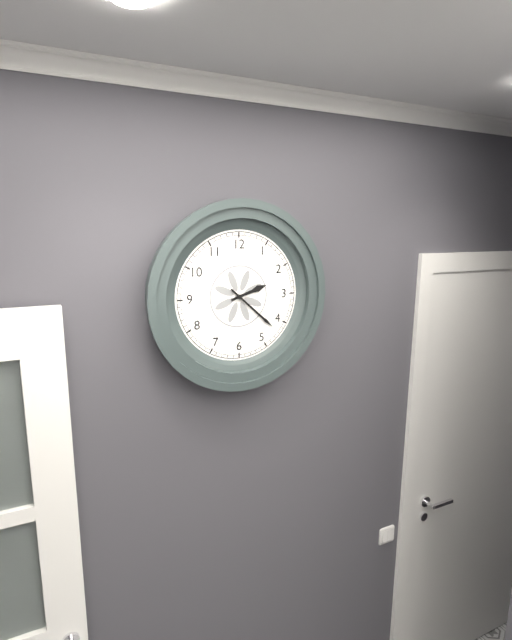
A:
h=2 m=22
